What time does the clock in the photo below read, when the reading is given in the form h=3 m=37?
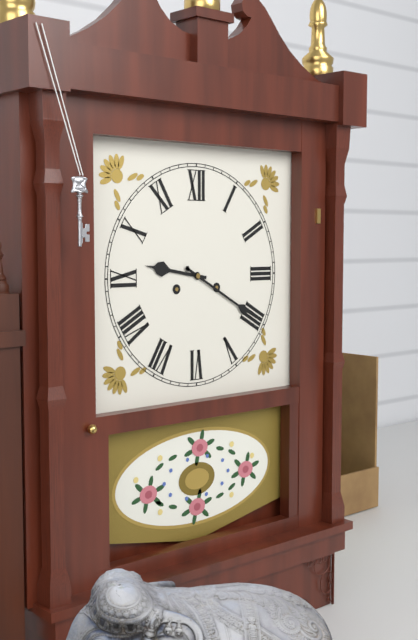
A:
h=9 m=20
